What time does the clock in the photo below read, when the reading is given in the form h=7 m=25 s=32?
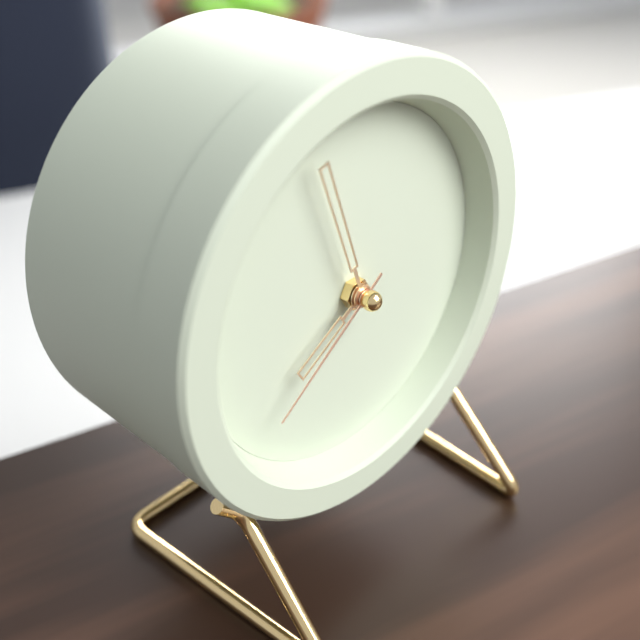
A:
h=7 m=57 s=39
